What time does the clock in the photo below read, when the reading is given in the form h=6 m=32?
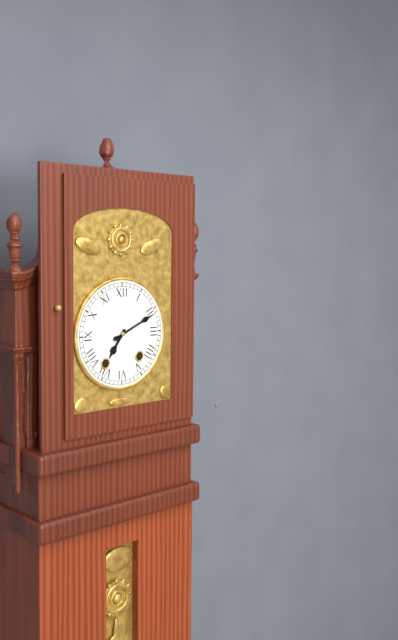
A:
h=7 m=11
